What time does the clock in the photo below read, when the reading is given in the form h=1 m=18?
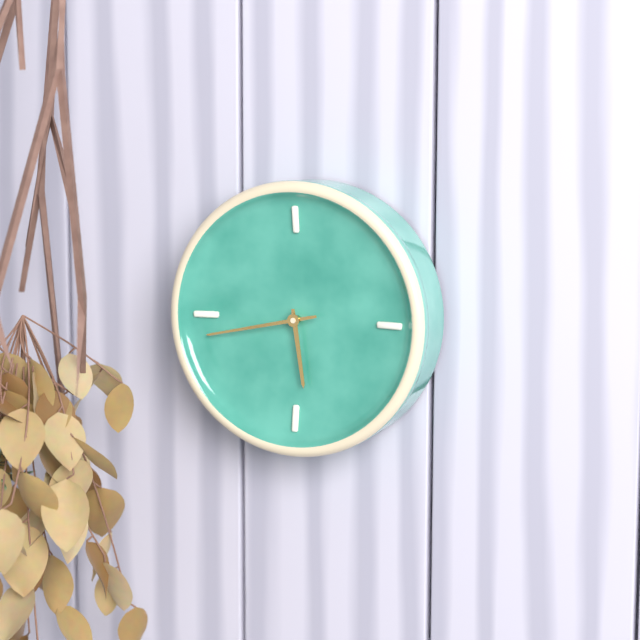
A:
h=5 m=43
